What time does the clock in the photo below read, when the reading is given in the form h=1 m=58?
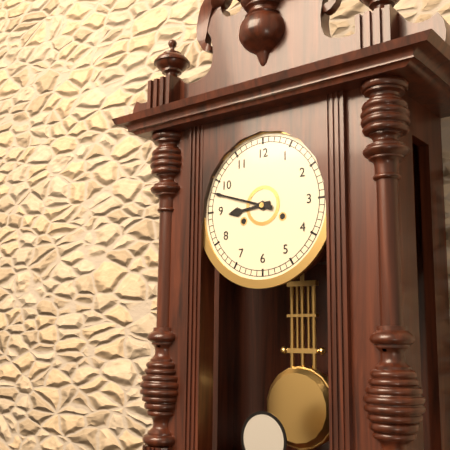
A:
h=8 m=48
